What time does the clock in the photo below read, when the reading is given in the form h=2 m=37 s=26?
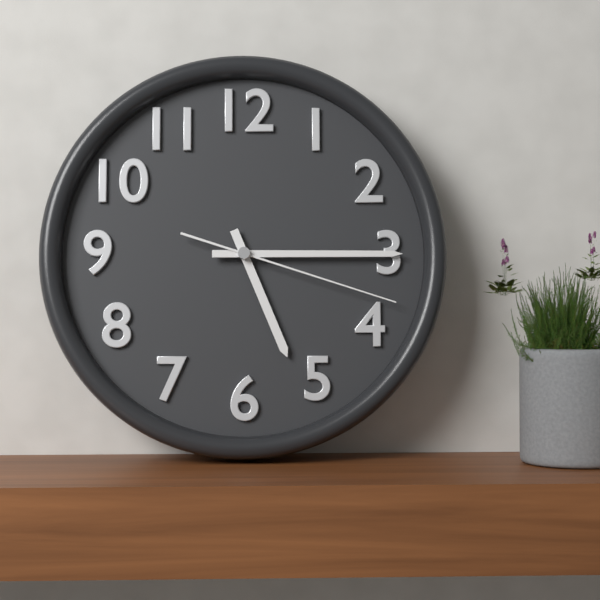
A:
h=5 m=15 s=18
